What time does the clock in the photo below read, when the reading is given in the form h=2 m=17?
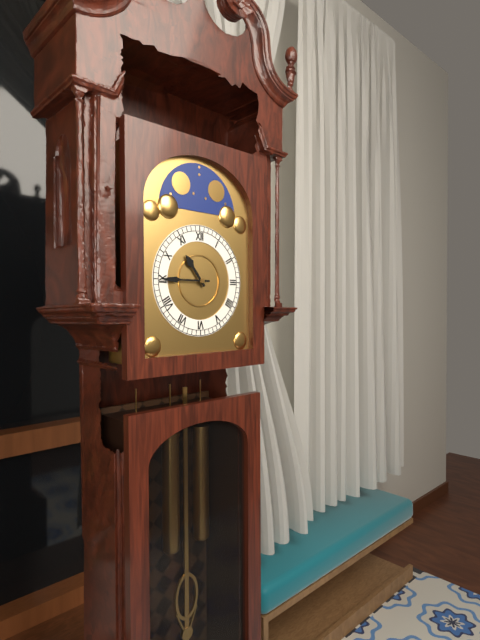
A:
h=10 m=45
